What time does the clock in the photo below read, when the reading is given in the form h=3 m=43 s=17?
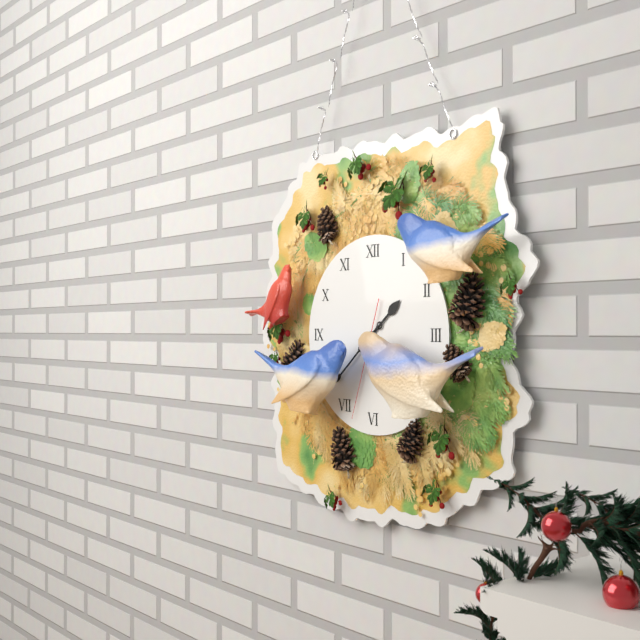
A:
h=1 m=38 s=33
